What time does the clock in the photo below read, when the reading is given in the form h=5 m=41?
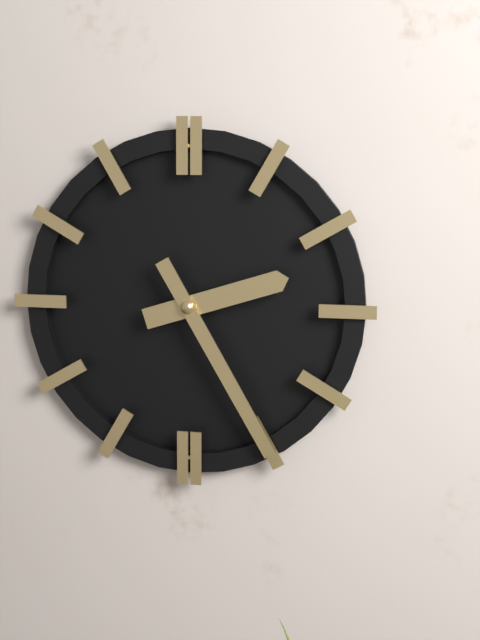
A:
h=2 m=25
